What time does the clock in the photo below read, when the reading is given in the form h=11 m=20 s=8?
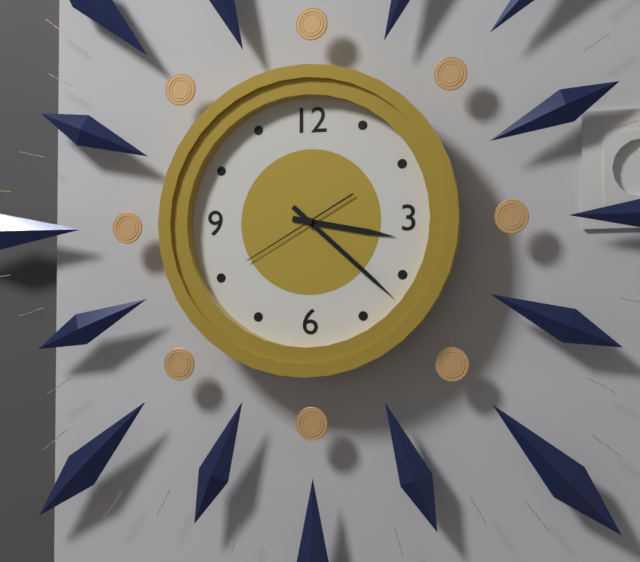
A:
h=3 m=22 s=40
